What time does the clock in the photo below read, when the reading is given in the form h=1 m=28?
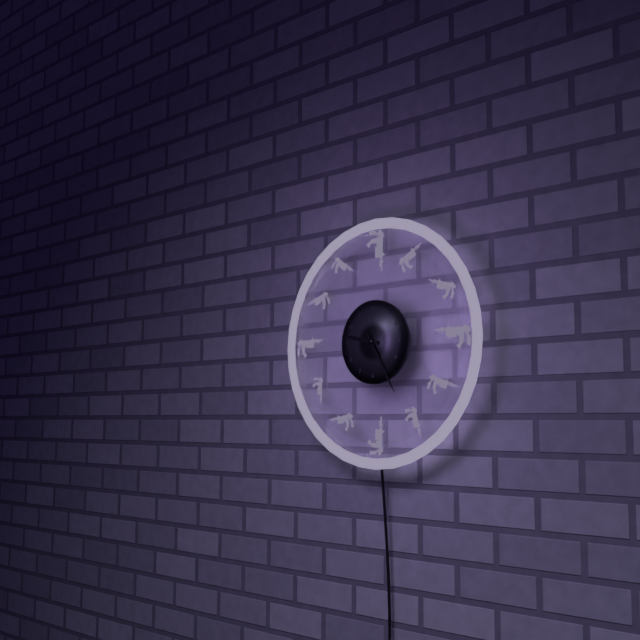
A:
h=9 m=25
